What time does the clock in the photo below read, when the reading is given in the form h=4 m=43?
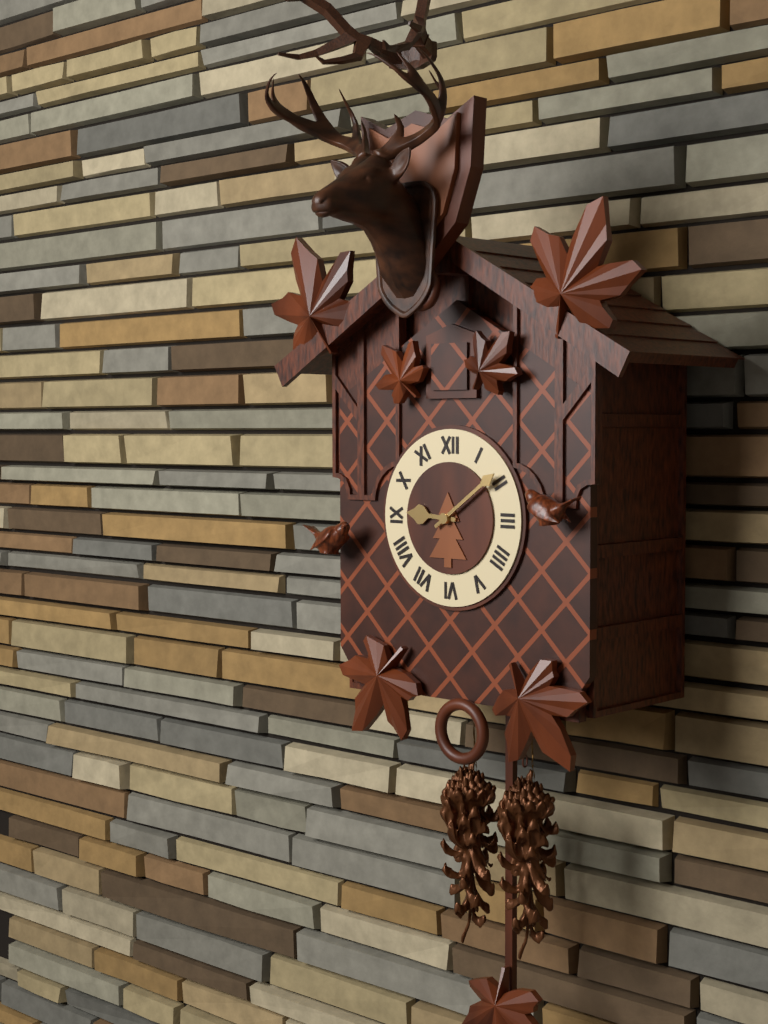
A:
h=9 m=9
